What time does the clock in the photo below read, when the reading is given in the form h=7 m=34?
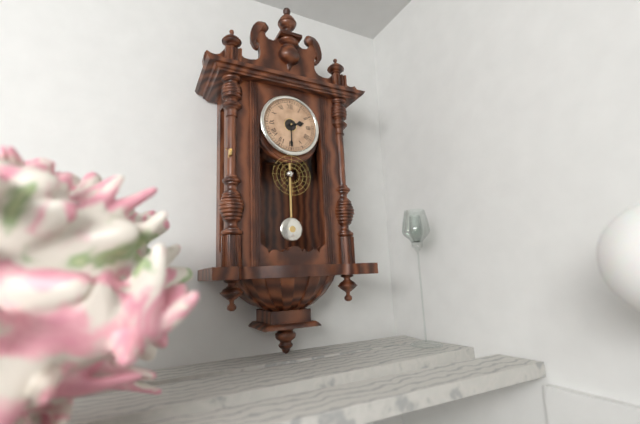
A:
h=2 m=30
